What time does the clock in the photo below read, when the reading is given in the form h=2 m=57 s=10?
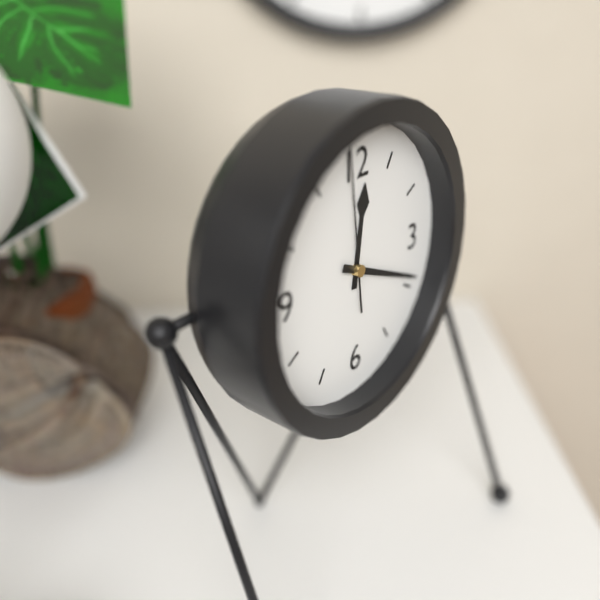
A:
h=12 m=19 s=59
